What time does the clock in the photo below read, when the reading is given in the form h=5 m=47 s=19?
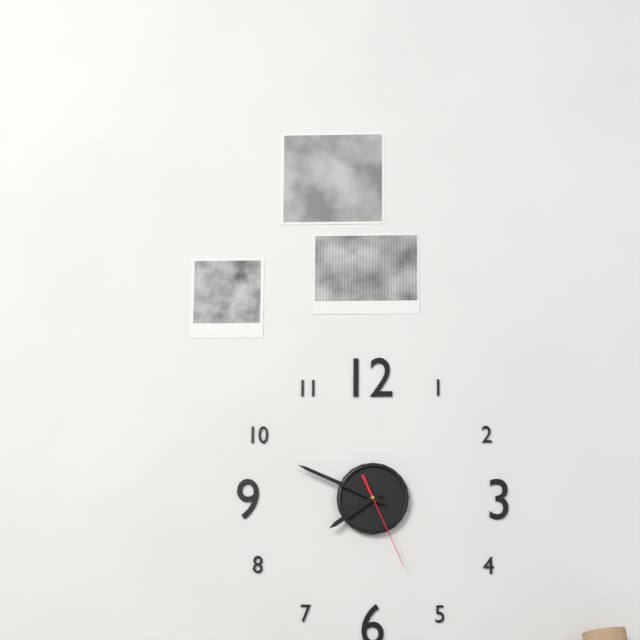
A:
h=7 m=49 s=26
